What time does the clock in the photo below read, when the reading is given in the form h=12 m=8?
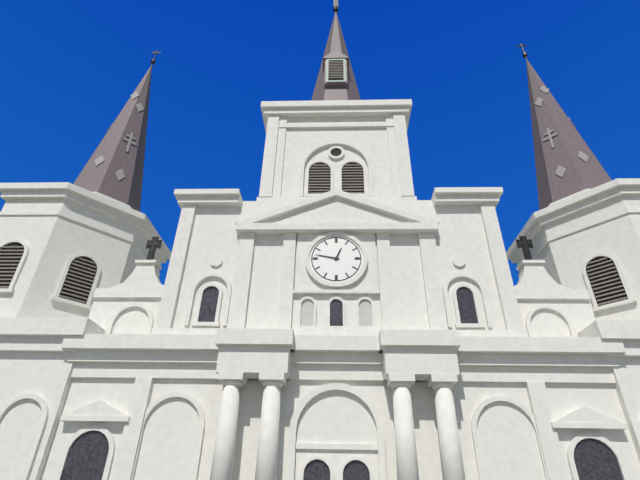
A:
h=12 m=47
